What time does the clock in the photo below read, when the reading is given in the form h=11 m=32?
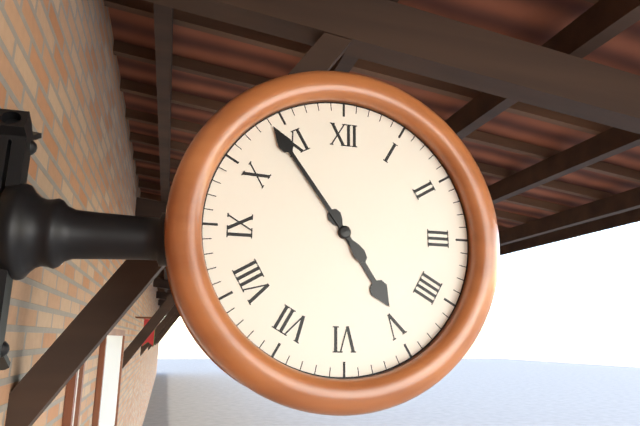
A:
h=4 m=54
